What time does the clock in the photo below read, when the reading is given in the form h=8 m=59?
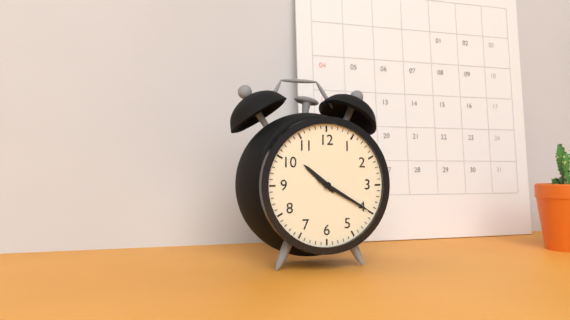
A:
h=10 m=20
